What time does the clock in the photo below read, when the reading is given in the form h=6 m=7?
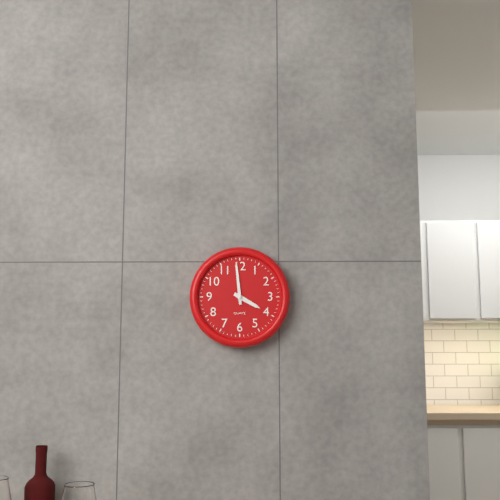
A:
h=3 m=59
